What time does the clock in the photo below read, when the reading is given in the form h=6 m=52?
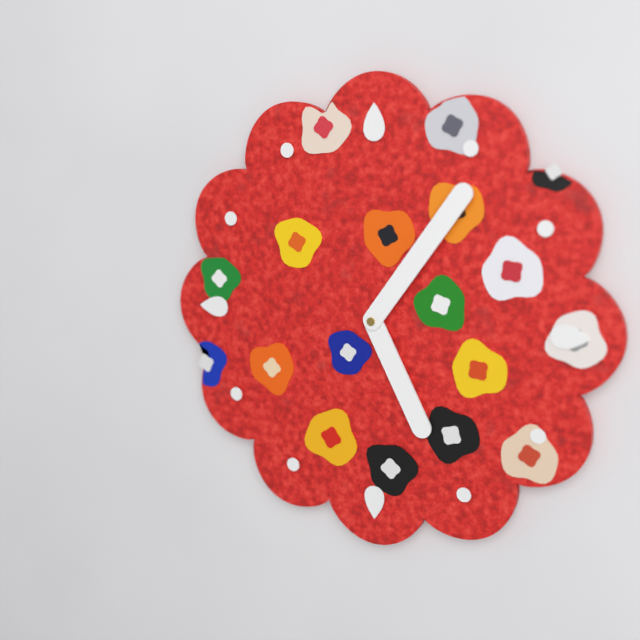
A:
h=5 m=6
